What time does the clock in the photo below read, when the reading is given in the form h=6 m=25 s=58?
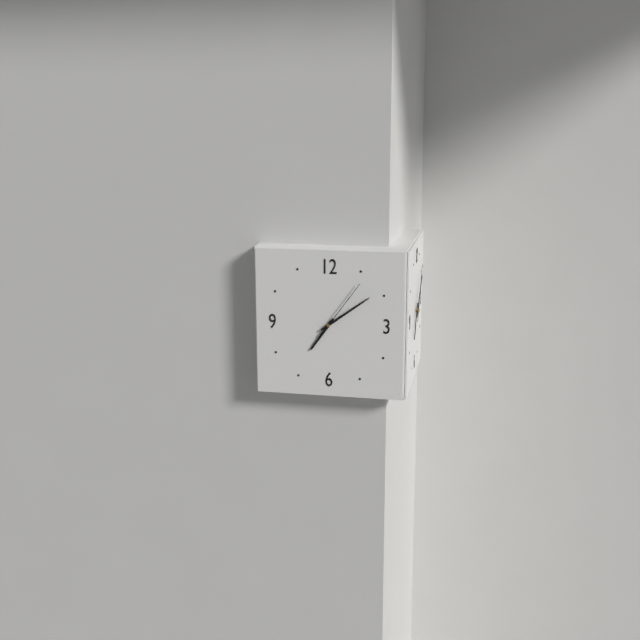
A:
h=7 m=9 s=6
